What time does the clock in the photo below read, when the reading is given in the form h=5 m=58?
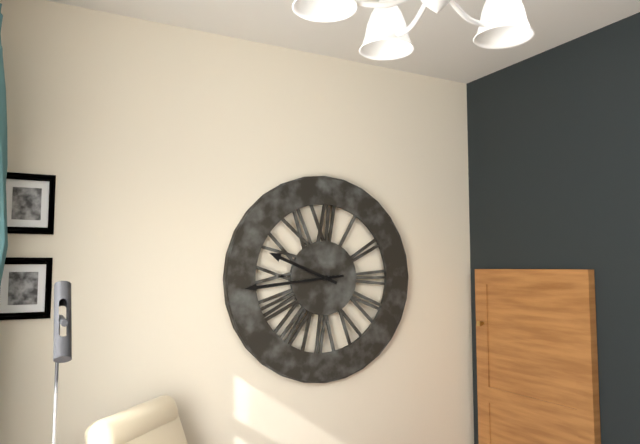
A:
h=9 m=44
